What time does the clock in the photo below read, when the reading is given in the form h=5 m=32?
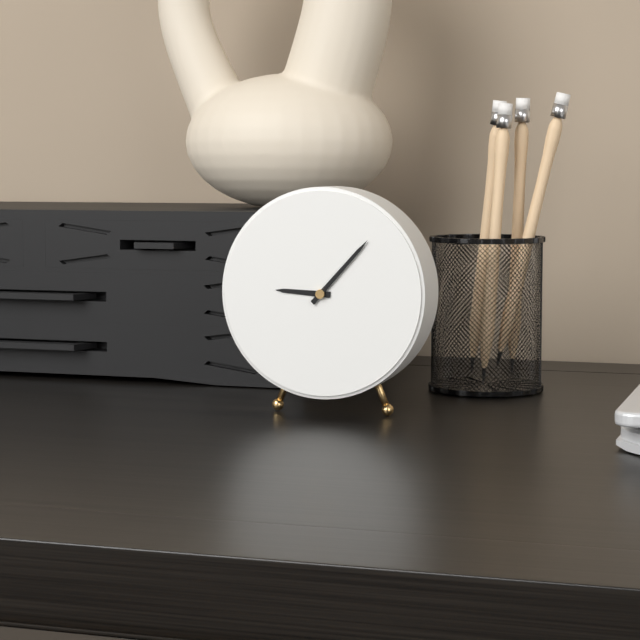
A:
h=9 m=7
